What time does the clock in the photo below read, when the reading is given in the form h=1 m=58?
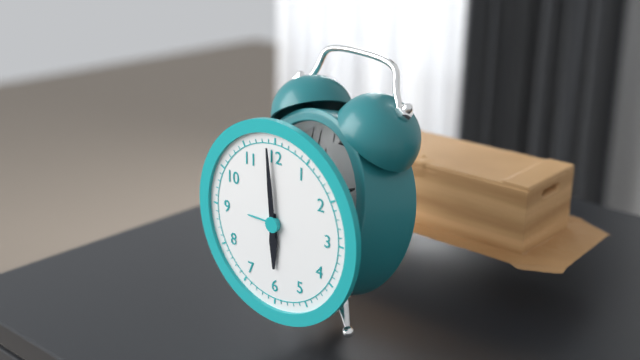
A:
h=5 m=59
